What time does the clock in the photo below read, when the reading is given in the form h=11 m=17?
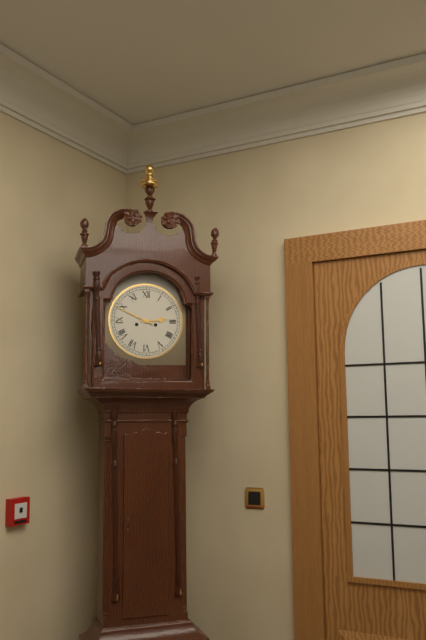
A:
h=2 m=49
